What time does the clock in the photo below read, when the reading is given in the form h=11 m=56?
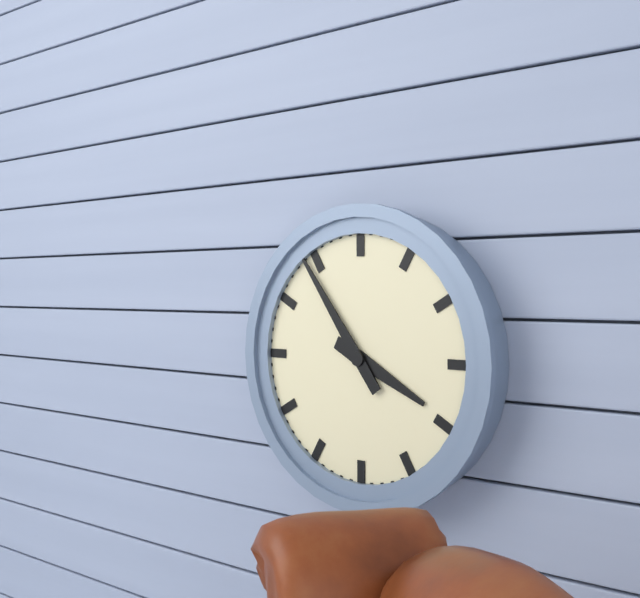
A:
h=3 m=54
